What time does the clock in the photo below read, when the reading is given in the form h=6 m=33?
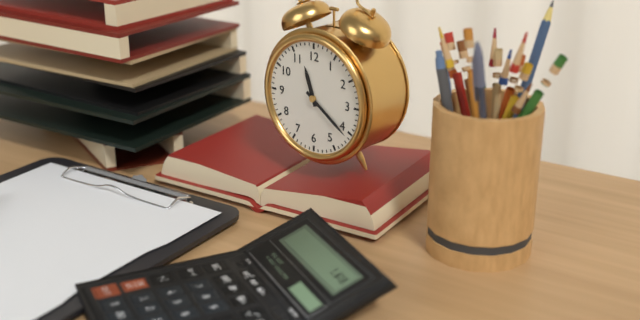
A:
h=11 m=21
